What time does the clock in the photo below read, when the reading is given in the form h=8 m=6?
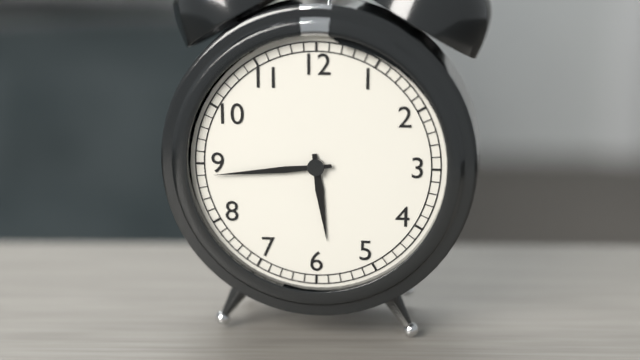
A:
h=5 m=44
